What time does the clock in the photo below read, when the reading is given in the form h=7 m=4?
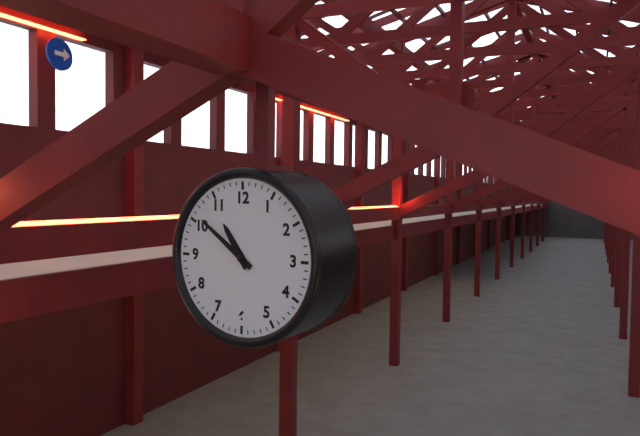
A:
h=10 m=51
